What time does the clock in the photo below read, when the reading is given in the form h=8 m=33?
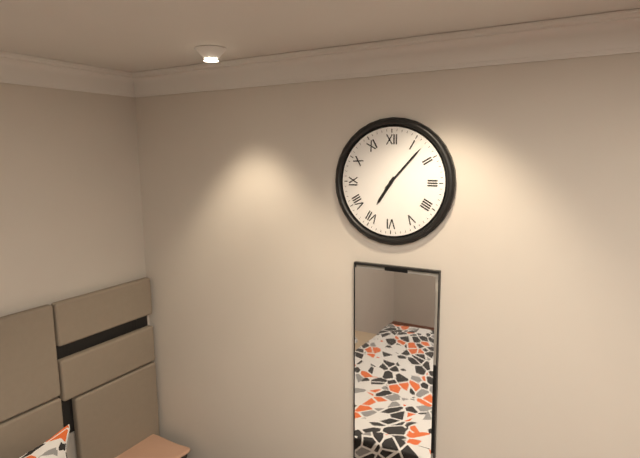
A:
h=7 m=7
